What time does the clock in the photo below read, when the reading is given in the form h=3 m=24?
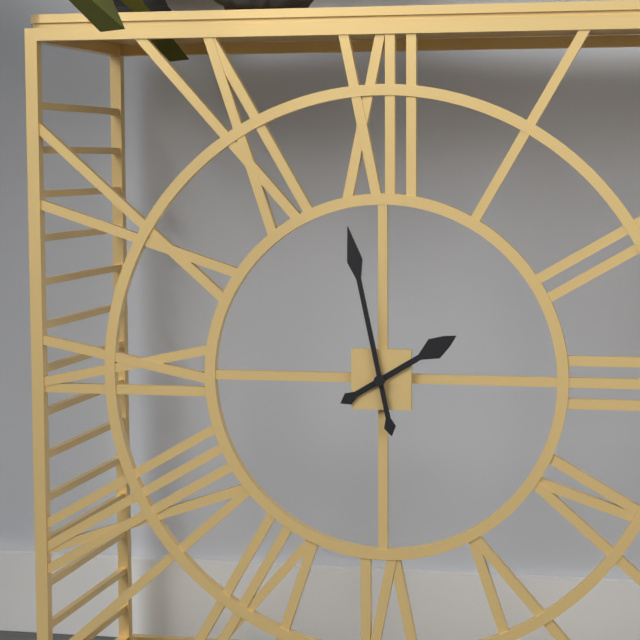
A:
h=1 m=58
